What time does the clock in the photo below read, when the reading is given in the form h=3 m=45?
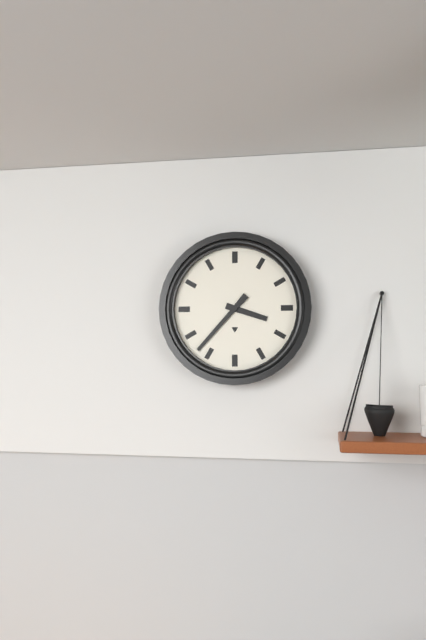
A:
h=3 m=37
